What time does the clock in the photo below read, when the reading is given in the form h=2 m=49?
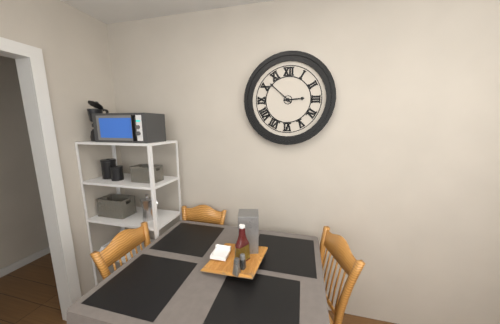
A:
h=2 m=52
